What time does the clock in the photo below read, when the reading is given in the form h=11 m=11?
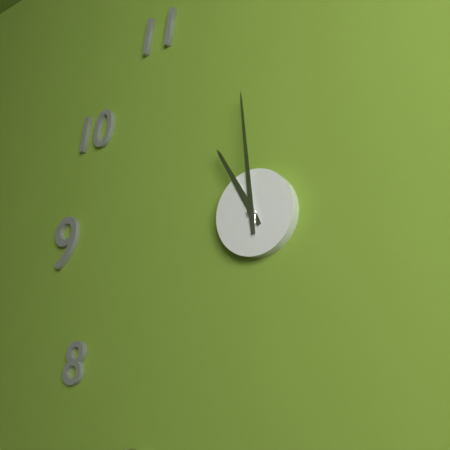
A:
h=10 m=59
